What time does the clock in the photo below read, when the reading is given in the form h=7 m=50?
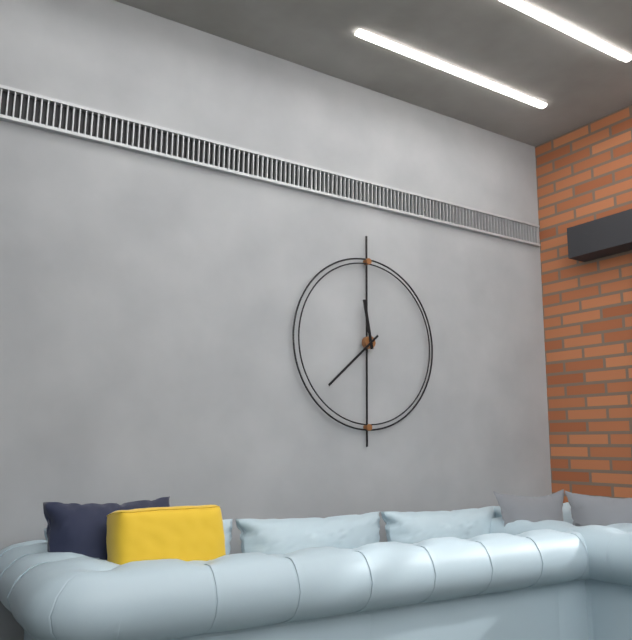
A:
h=11 m=38
